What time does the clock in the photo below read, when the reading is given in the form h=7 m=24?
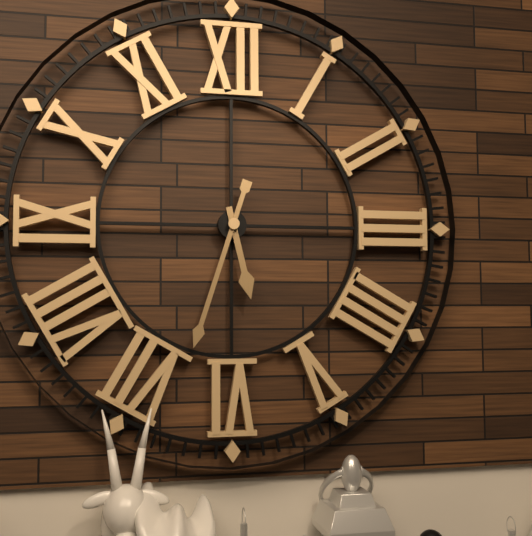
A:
h=5 m=33
